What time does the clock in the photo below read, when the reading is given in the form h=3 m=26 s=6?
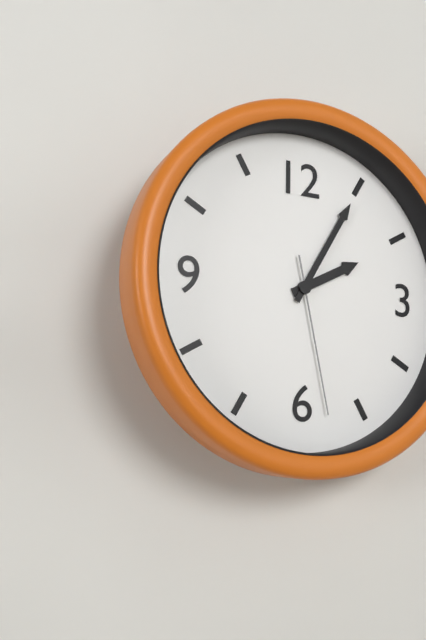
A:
h=2 m=5 s=28
